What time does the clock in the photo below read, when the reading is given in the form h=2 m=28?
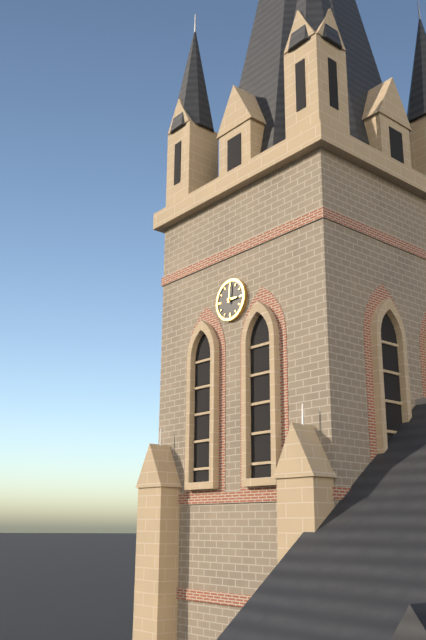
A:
h=3 m=1
